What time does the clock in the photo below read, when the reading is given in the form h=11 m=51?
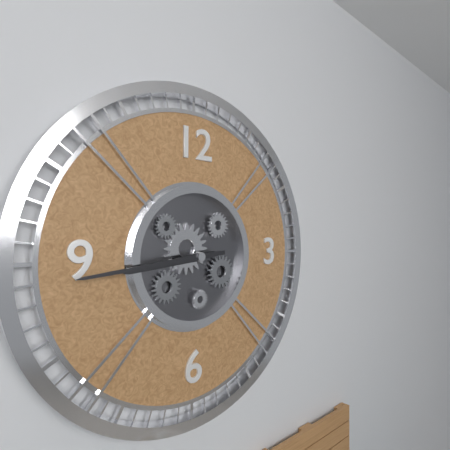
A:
h=8 m=44
